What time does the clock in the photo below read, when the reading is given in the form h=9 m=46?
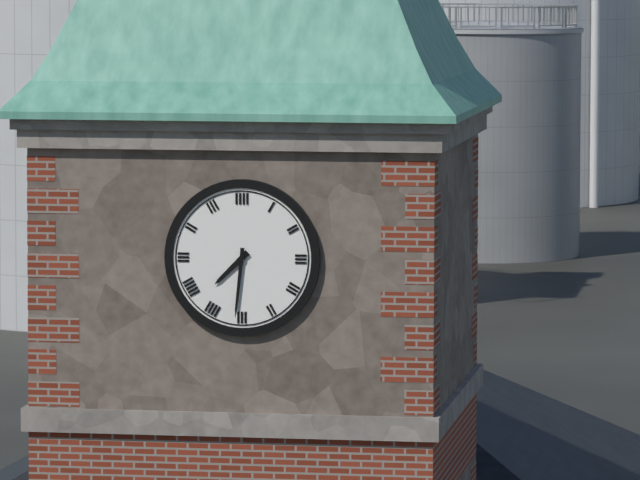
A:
h=7 m=31
